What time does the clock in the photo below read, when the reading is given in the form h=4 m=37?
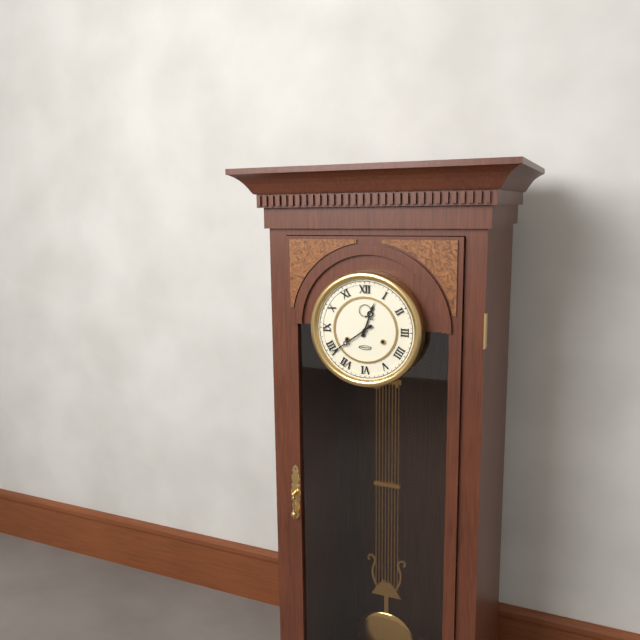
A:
h=12 m=39
